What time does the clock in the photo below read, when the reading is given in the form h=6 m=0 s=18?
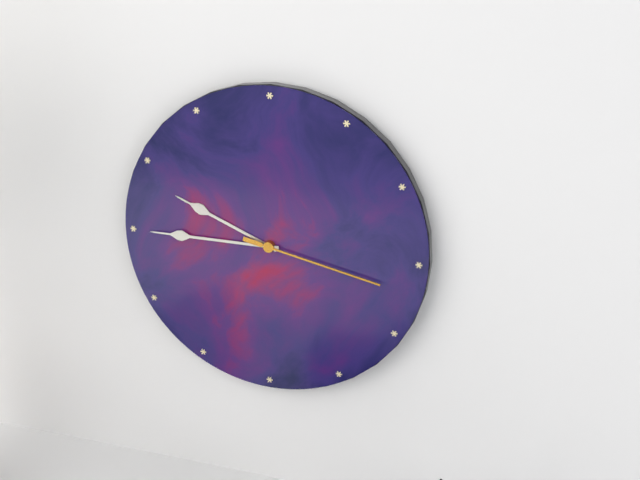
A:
h=9 m=45 s=17
